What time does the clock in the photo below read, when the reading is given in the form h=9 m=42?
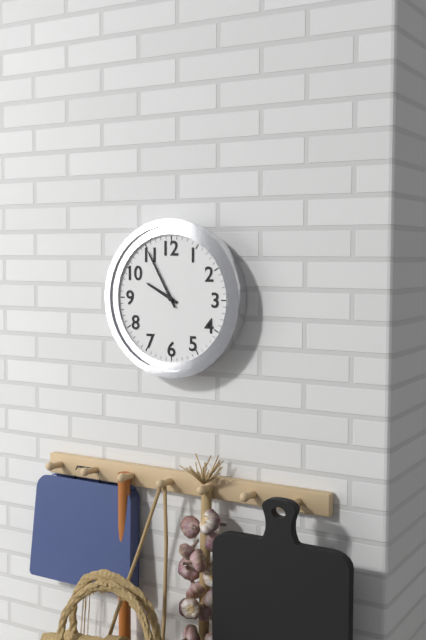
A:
h=9 m=55
